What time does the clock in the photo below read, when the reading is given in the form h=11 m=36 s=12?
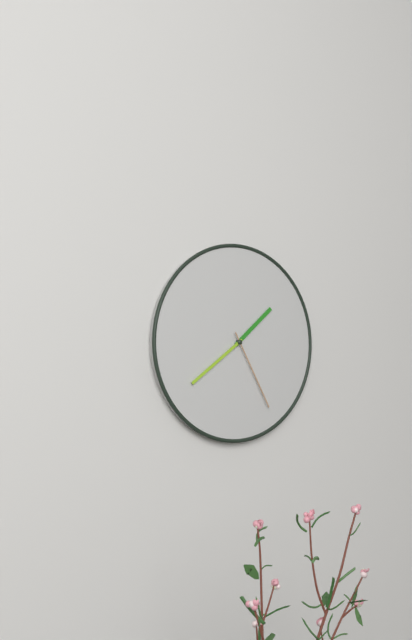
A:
h=1 m=39 s=25
